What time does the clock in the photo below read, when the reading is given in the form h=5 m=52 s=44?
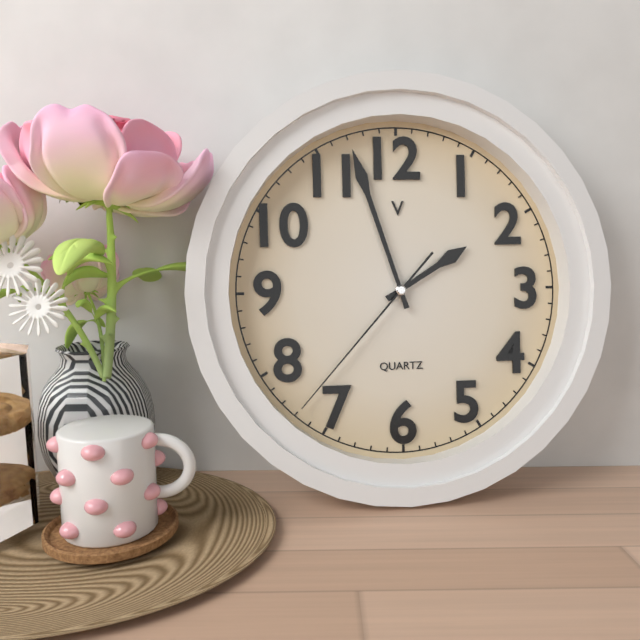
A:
h=1 m=57 s=37
